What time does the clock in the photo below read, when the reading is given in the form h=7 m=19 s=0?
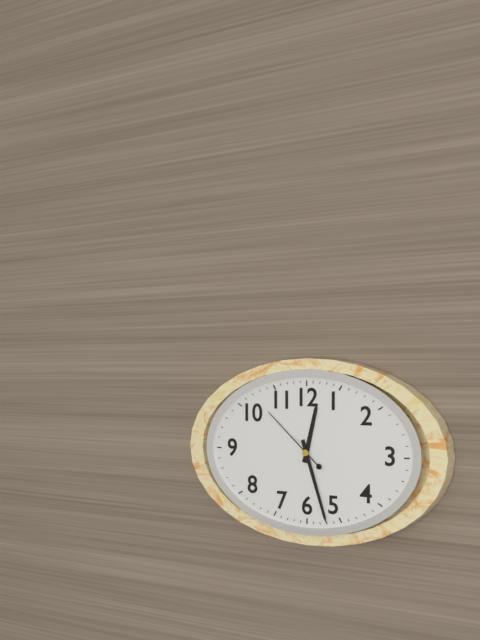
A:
h=12 m=27 s=52
